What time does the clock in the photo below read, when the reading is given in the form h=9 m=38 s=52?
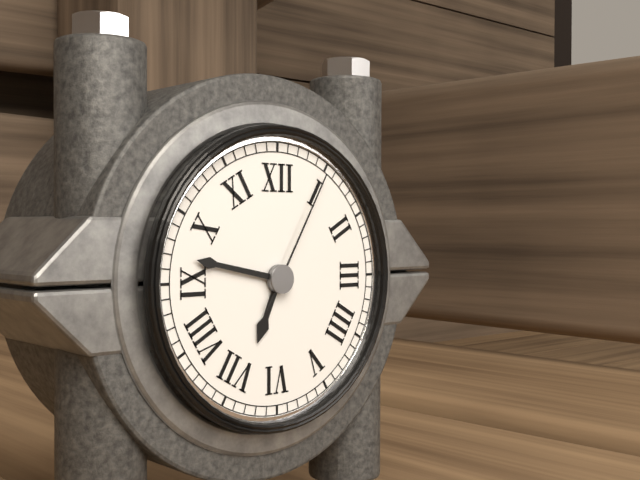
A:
h=6 m=47 s=5
